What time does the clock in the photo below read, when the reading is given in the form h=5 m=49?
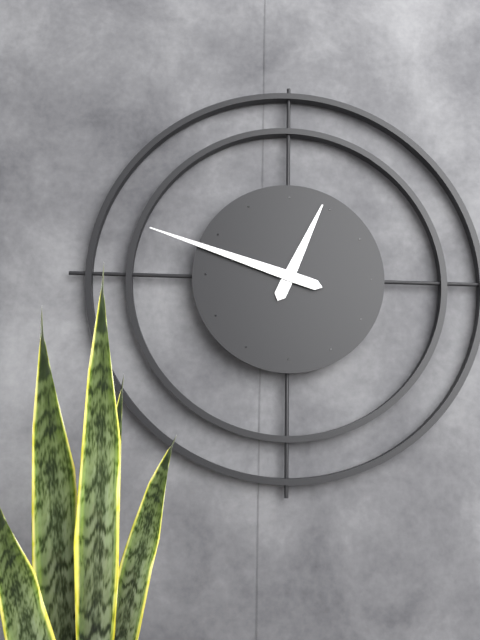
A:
h=12 m=48
